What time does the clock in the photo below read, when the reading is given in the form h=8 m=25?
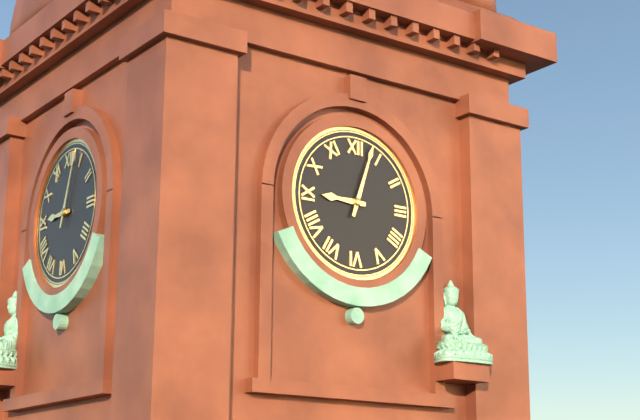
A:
h=9 m=3
